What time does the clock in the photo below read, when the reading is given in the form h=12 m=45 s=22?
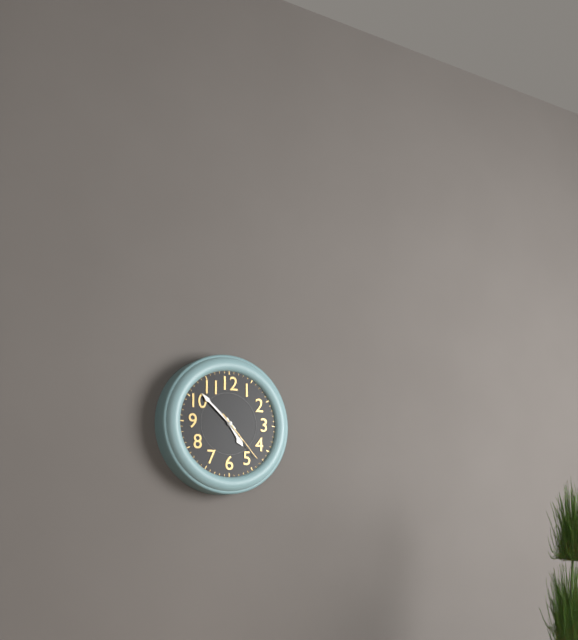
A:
h=4 m=52 s=23
